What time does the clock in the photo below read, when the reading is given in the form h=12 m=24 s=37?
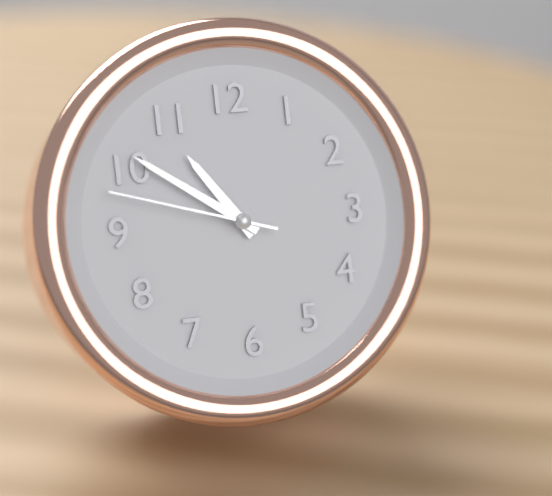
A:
h=10 m=51 s=48
